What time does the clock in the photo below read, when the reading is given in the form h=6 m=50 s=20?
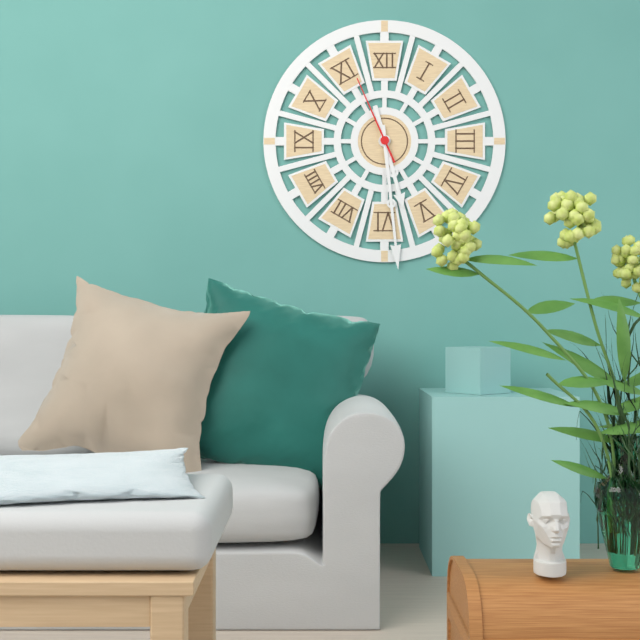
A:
h=5 m=29 s=56
